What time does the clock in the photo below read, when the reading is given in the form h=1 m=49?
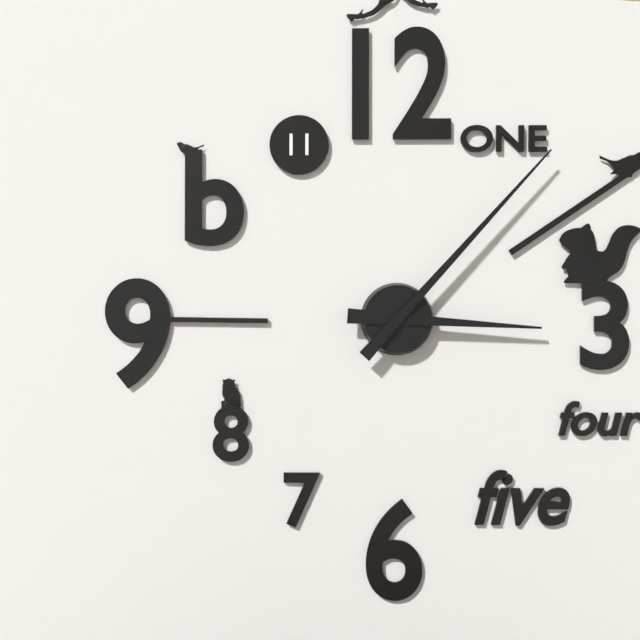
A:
h=3 m=7
